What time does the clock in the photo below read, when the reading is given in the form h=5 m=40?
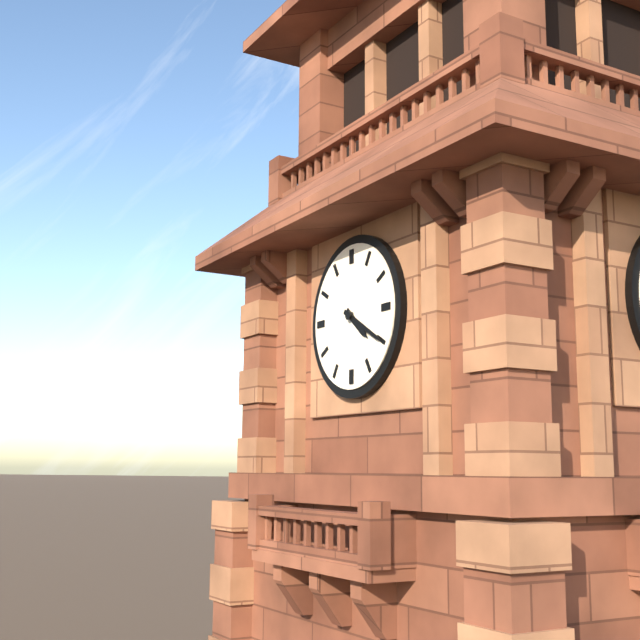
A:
h=4 m=20
